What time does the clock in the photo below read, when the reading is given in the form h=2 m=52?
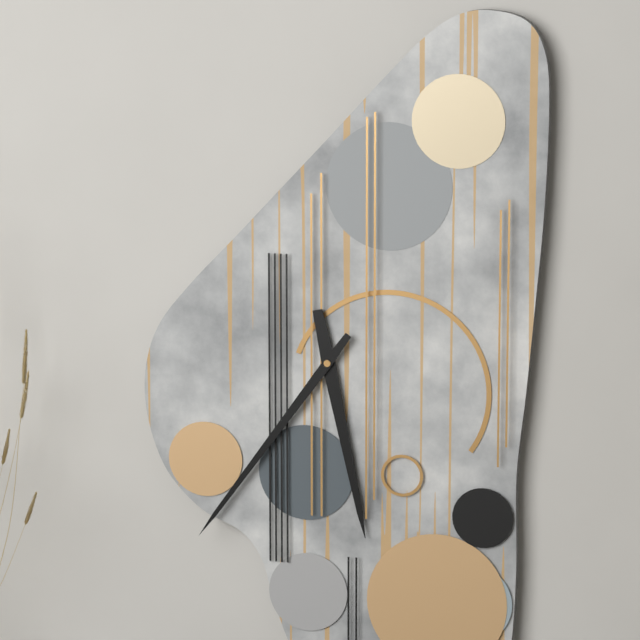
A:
h=5 m=36
